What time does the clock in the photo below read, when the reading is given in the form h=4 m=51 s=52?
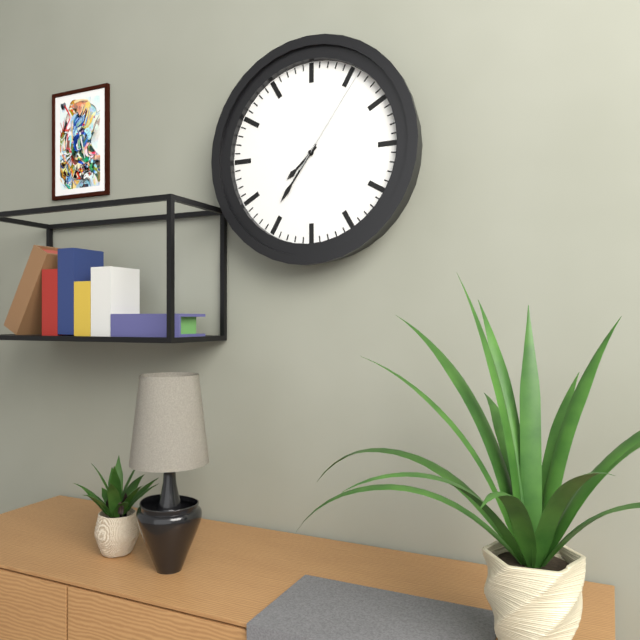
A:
h=7 m=36 s=6
